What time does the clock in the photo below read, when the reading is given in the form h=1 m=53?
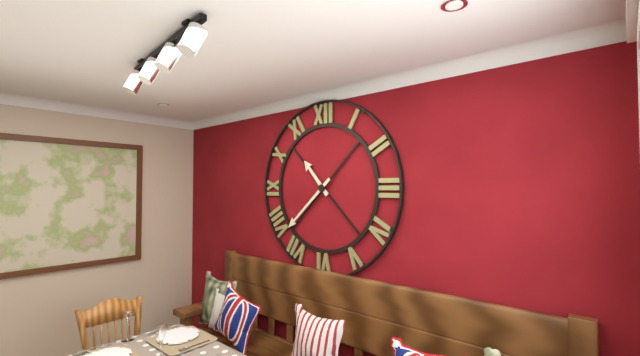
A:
h=10 m=38
